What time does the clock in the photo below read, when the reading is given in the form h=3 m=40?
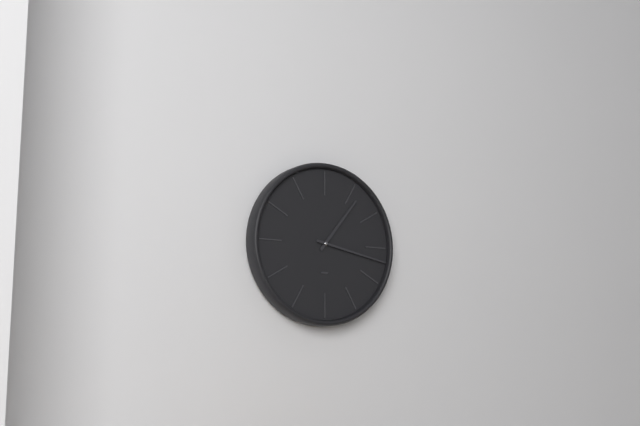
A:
h=1 m=17
